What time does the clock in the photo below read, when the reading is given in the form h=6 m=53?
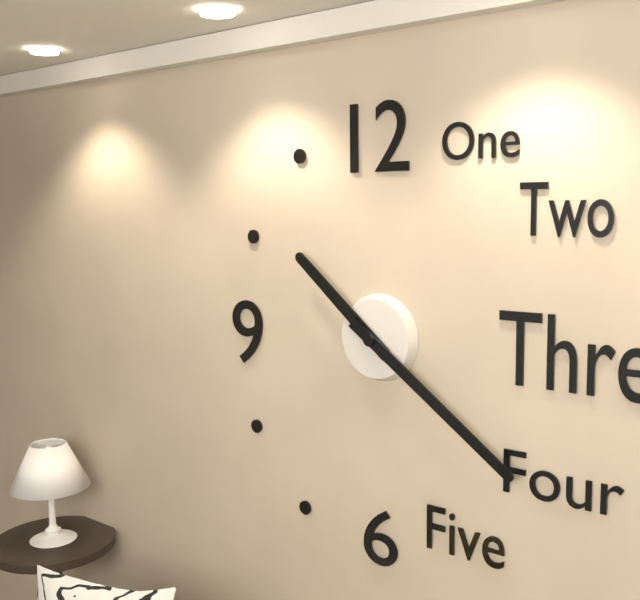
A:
h=10 m=21
